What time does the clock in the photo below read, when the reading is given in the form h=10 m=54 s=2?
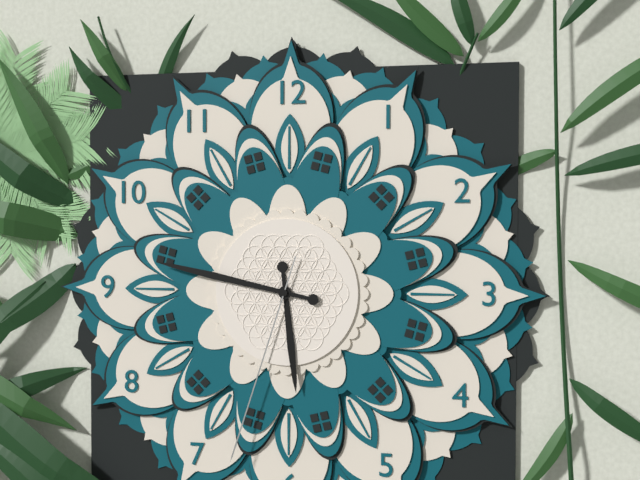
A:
h=5 m=47 s=33
